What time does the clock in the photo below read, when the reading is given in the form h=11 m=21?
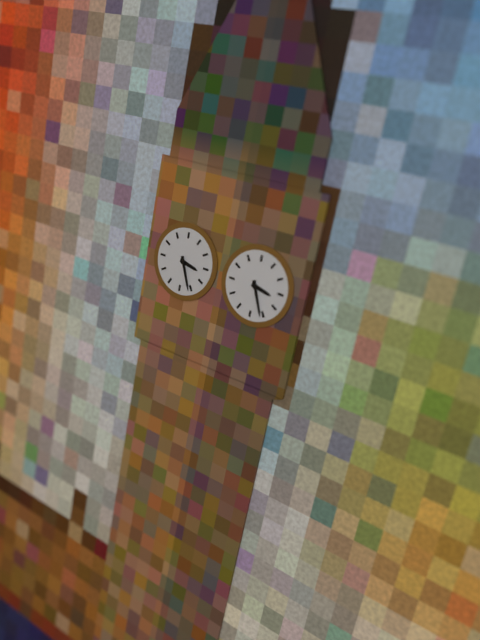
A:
h=3 m=26
